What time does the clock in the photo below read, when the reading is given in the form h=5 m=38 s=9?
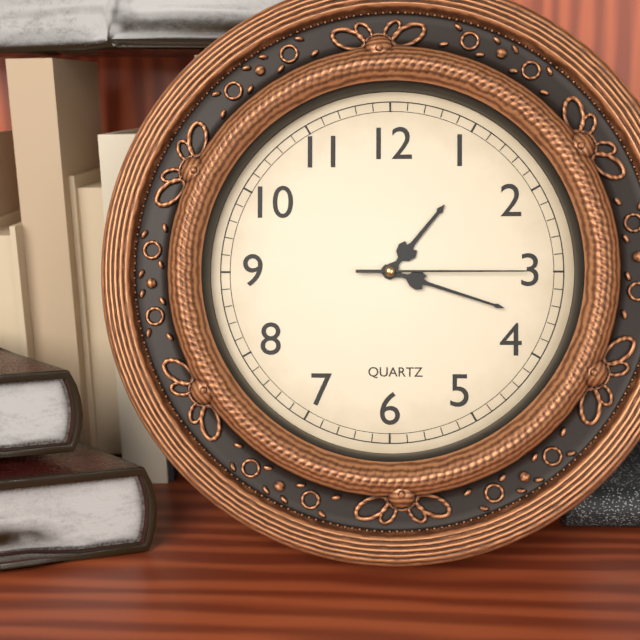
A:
h=1 m=18 s=15
